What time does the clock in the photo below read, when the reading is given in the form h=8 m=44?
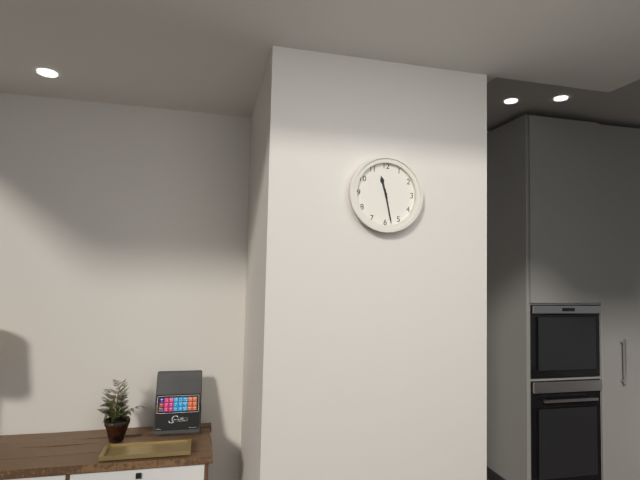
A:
h=11 m=28
